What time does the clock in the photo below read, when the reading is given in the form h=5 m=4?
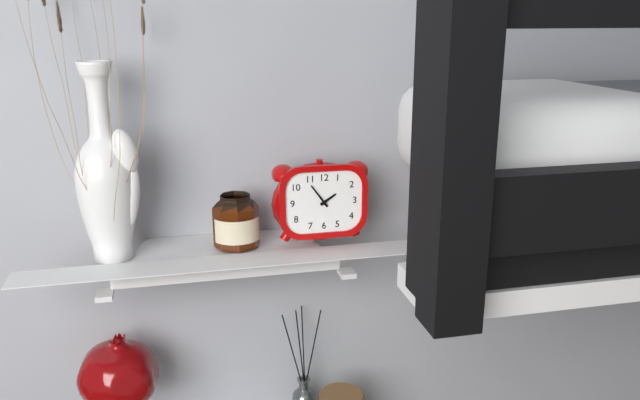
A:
h=1 m=54
